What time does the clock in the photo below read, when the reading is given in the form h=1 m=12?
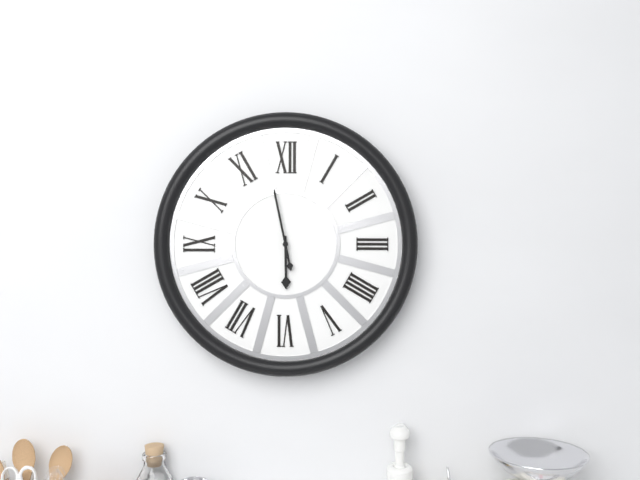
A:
h=5 m=58
